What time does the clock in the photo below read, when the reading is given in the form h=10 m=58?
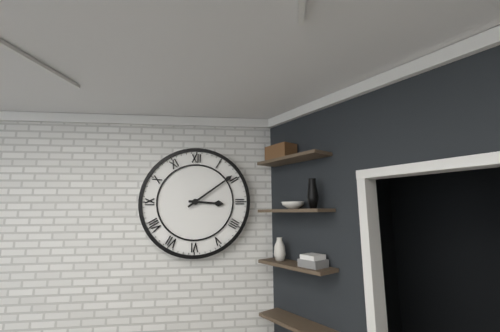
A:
h=3 m=9
